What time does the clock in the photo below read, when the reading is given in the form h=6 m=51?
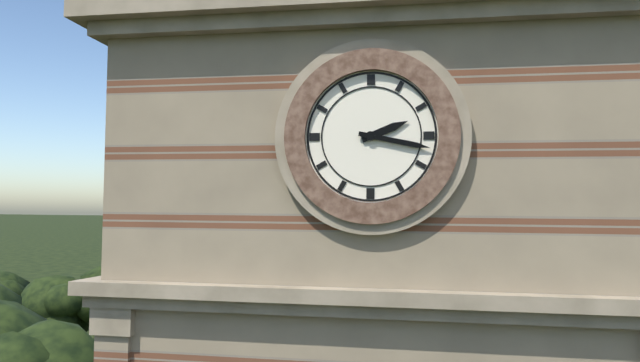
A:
h=2 m=17
